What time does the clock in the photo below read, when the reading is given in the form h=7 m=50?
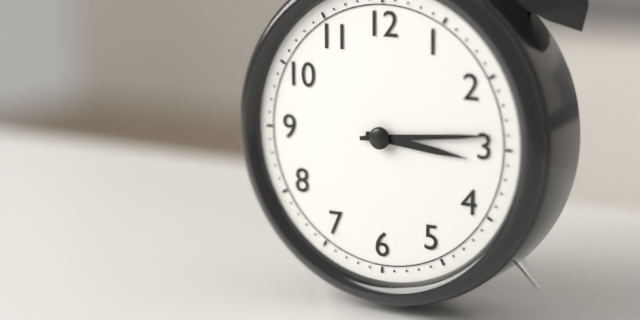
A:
h=3 m=14
